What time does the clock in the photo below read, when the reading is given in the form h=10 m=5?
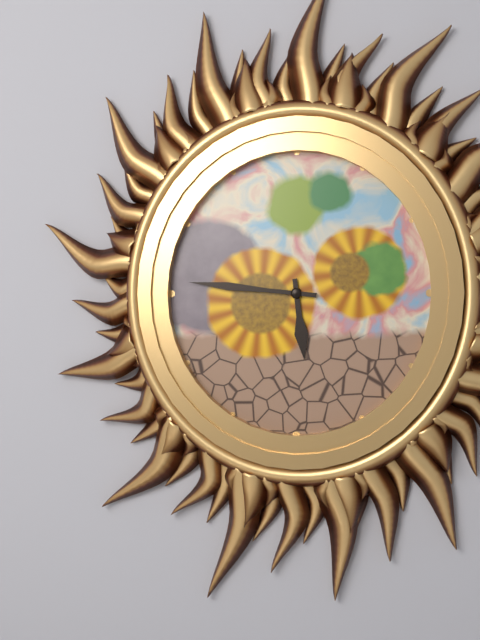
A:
h=5 m=46
